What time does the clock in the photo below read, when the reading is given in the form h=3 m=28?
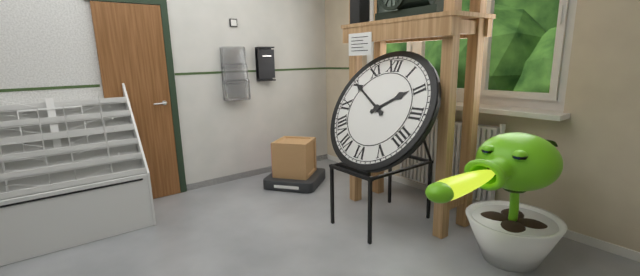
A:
h=1 m=50
